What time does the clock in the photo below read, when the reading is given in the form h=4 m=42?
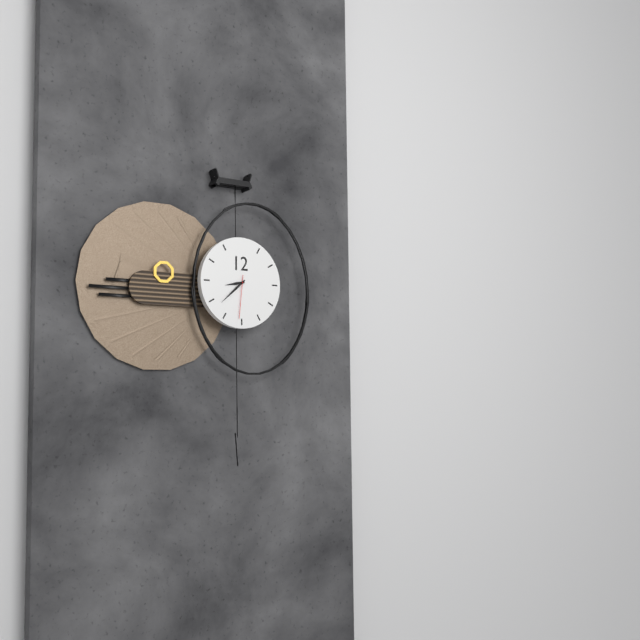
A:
h=8 m=38
